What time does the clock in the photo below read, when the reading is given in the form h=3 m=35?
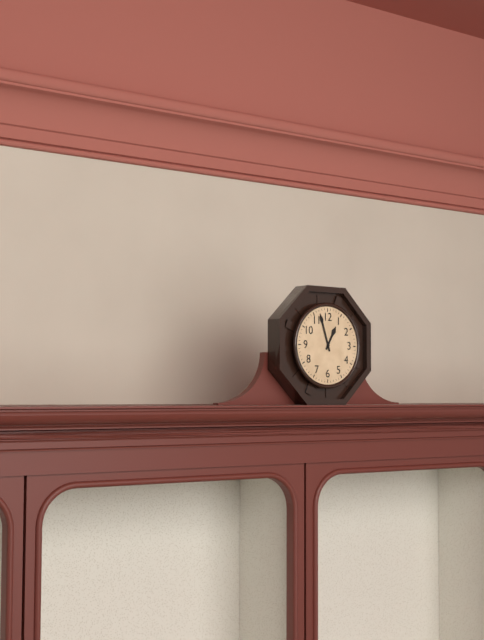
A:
h=12 m=57
